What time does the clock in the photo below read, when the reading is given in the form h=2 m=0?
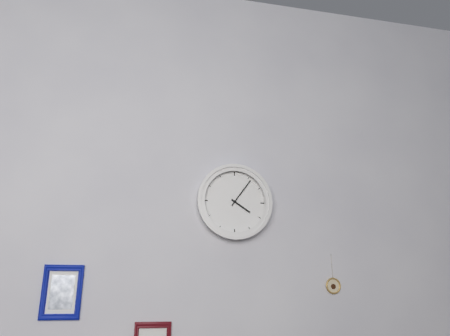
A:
h=4 m=6
